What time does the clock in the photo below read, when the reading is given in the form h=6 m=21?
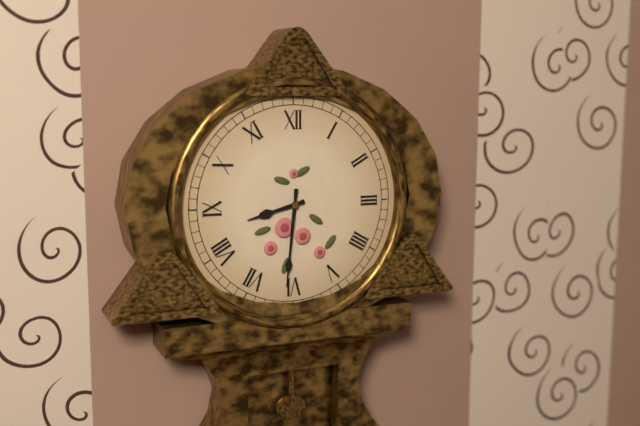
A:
h=8 m=31
